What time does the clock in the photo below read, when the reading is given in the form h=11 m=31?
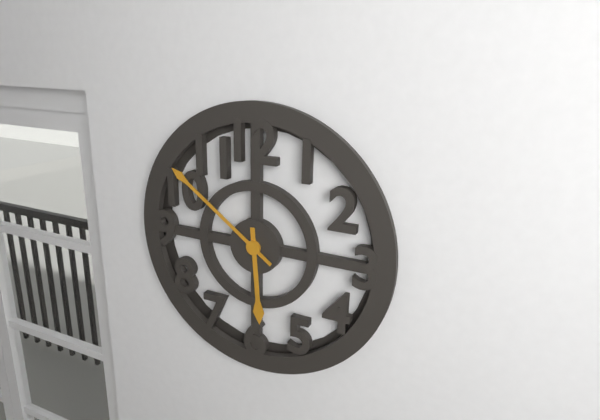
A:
h=5 m=51
